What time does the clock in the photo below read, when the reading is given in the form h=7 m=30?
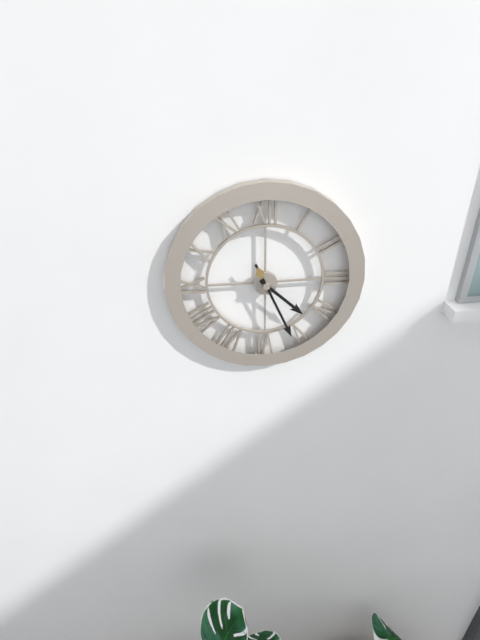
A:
h=4 m=26
